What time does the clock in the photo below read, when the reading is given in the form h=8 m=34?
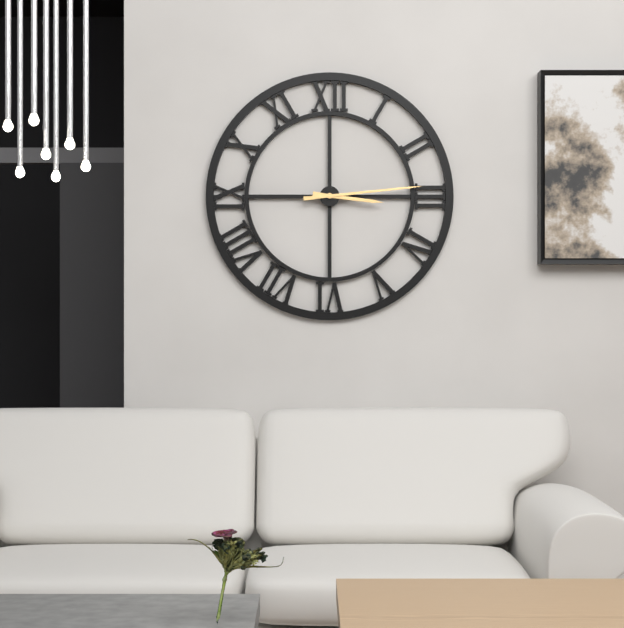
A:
h=3 m=14
